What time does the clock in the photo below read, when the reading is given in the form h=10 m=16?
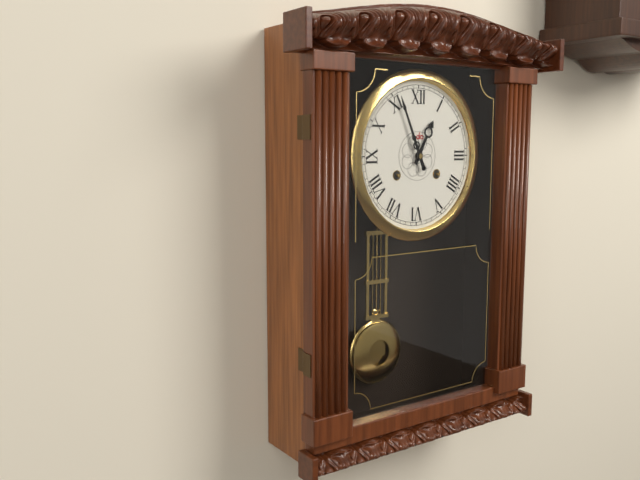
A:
h=12 m=56
